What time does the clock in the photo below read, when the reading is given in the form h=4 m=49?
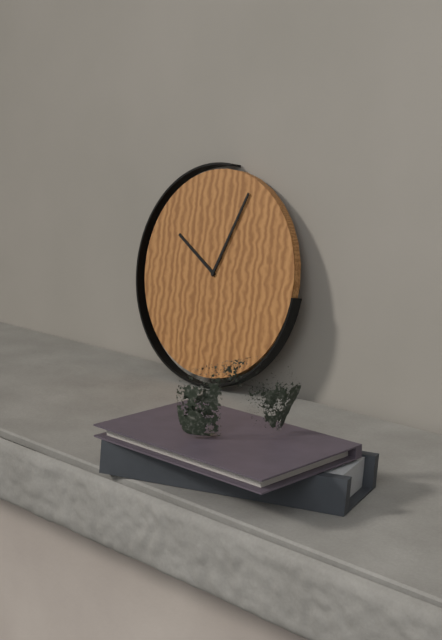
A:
h=10 m=4
